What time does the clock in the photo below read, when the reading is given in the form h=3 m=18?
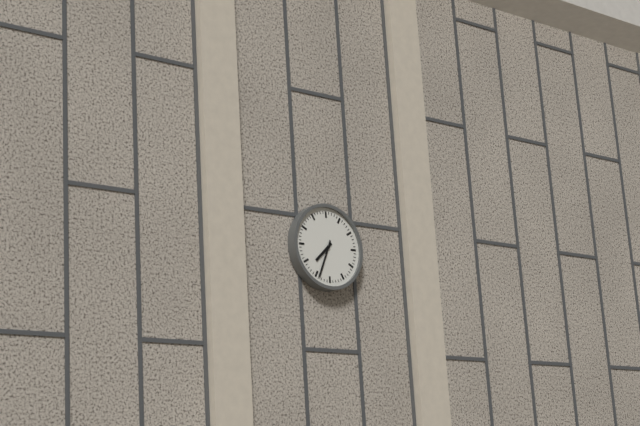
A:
h=7 m=34
